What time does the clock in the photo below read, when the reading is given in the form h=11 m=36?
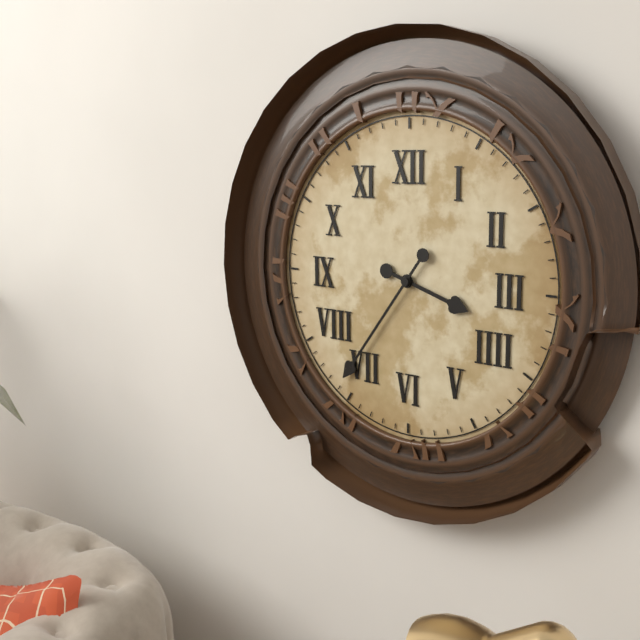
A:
h=3 m=36
